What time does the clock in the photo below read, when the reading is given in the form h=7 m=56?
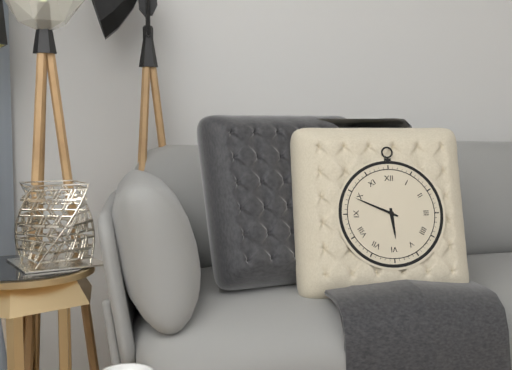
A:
h=5 m=49
